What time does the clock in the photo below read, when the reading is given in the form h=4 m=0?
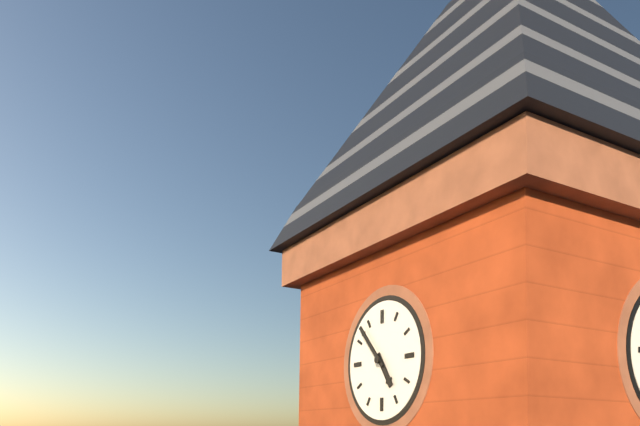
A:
h=4 m=53
